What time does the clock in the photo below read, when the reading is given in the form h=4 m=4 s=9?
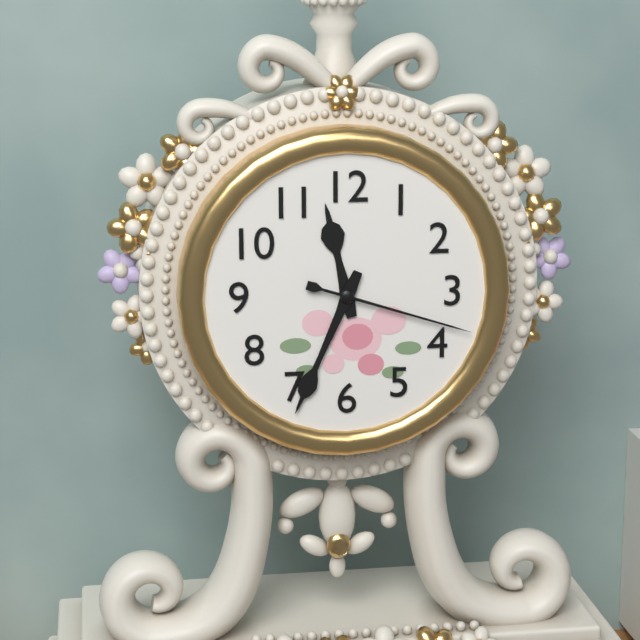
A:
h=11 m=34 s=18
